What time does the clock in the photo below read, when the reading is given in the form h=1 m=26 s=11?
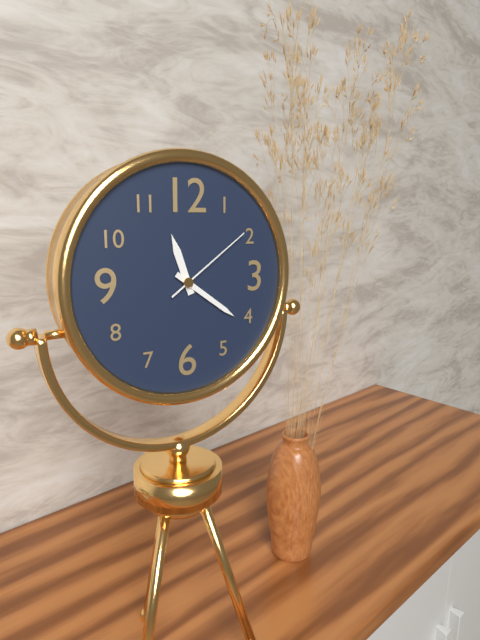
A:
h=11 m=21 s=9
